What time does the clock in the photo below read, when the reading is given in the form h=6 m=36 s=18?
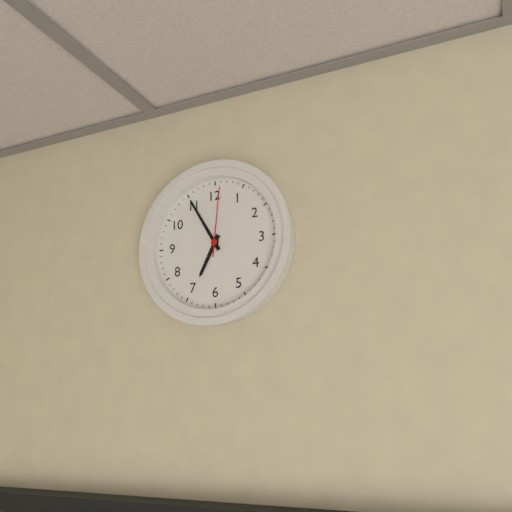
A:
h=6 m=55 s=1
